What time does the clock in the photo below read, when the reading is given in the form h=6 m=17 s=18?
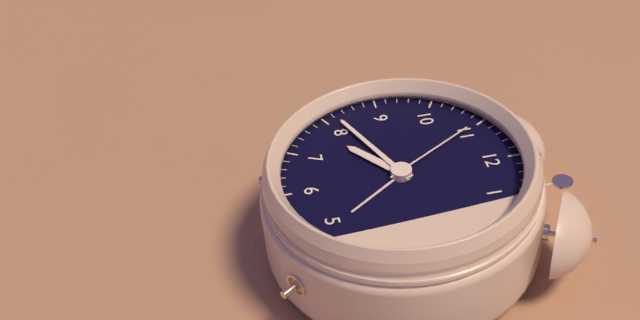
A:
h=7 m=41 s=55
